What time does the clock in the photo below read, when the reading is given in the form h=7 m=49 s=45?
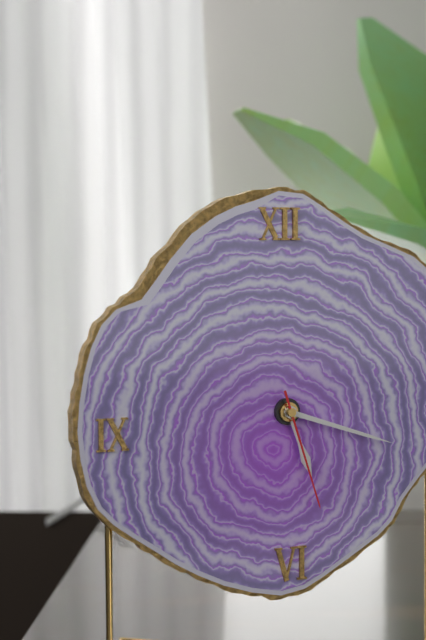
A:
h=5 m=18 s=27
